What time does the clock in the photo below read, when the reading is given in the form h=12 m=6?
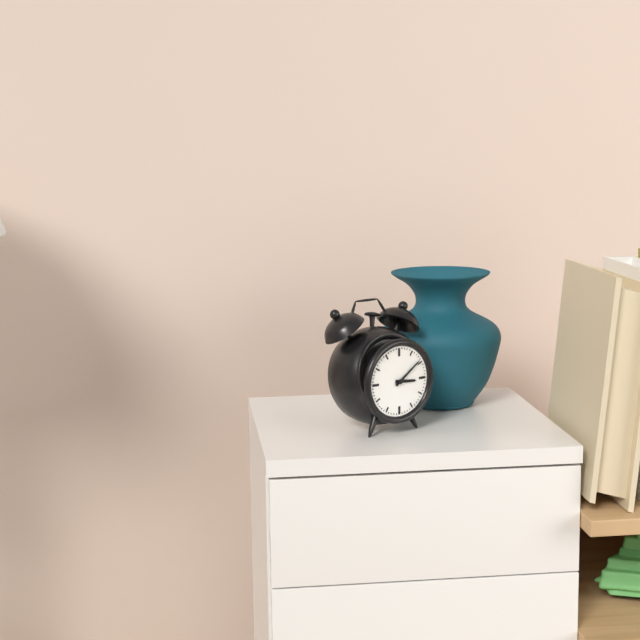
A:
h=3 m=9
